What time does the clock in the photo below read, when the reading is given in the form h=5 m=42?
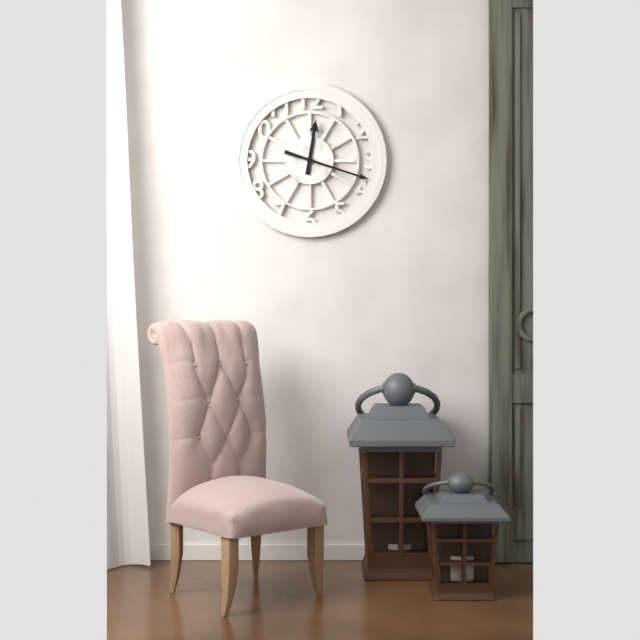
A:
h=12 m=18
